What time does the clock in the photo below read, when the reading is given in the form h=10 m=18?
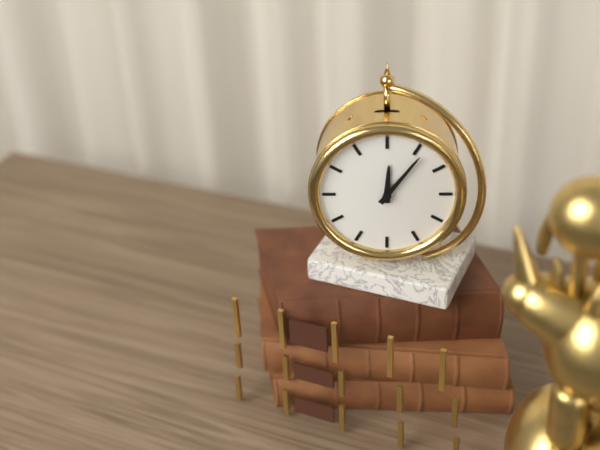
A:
h=12 m=6
